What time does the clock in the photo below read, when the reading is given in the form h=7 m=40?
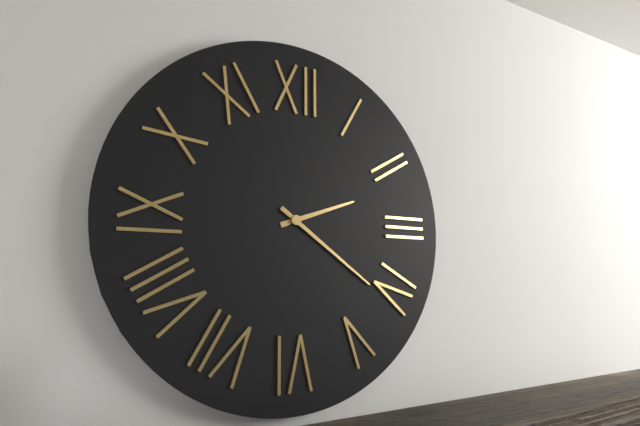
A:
h=2 m=21
